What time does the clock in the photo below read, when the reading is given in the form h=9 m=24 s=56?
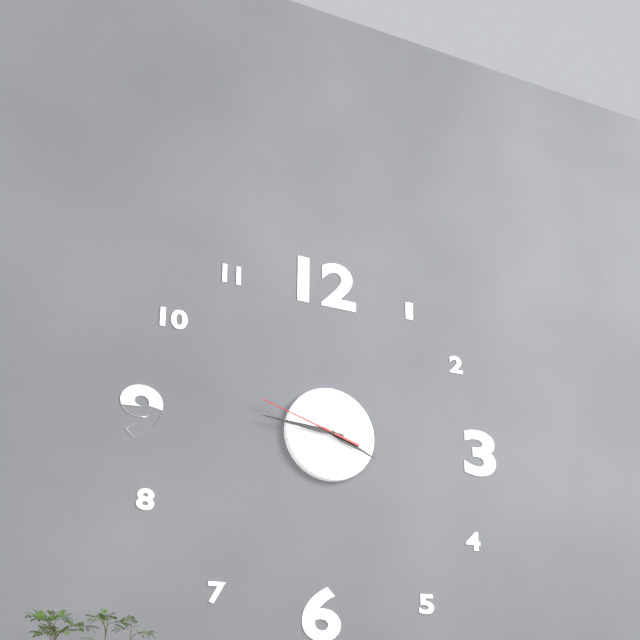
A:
h=3 m=46 s=48
